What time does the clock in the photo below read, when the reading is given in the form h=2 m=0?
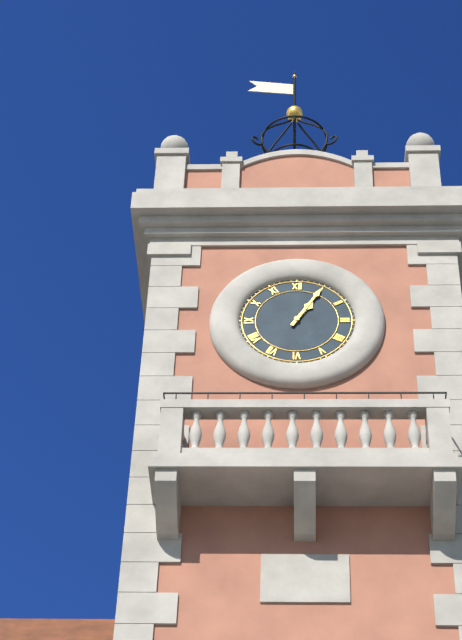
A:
h=1 m=5
